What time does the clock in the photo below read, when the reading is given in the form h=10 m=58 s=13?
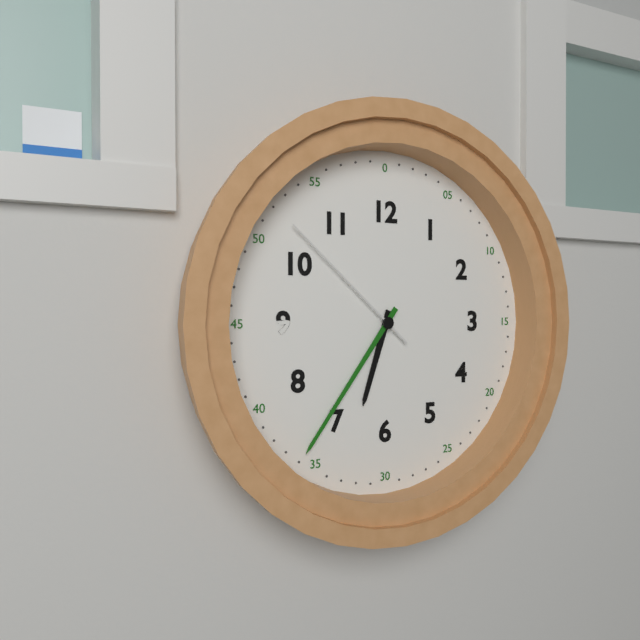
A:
h=6 m=36 s=52
